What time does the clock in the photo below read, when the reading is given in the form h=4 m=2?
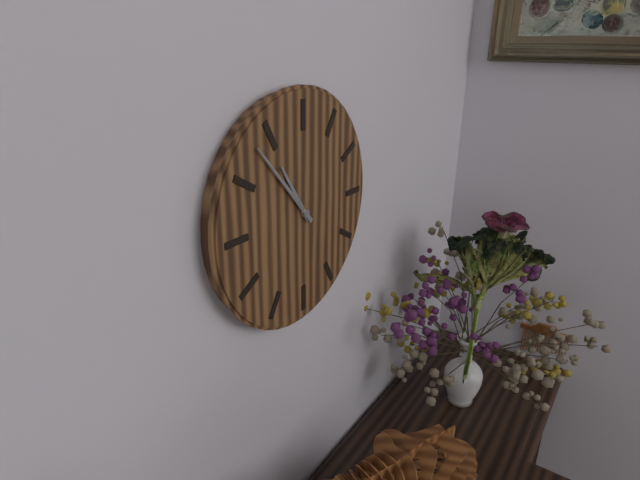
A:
h=10 m=53
